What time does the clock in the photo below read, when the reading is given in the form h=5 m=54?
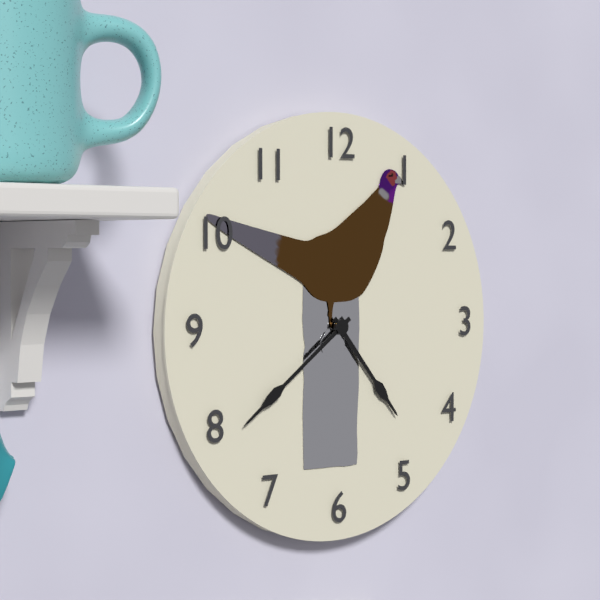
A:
h=4 m=39
